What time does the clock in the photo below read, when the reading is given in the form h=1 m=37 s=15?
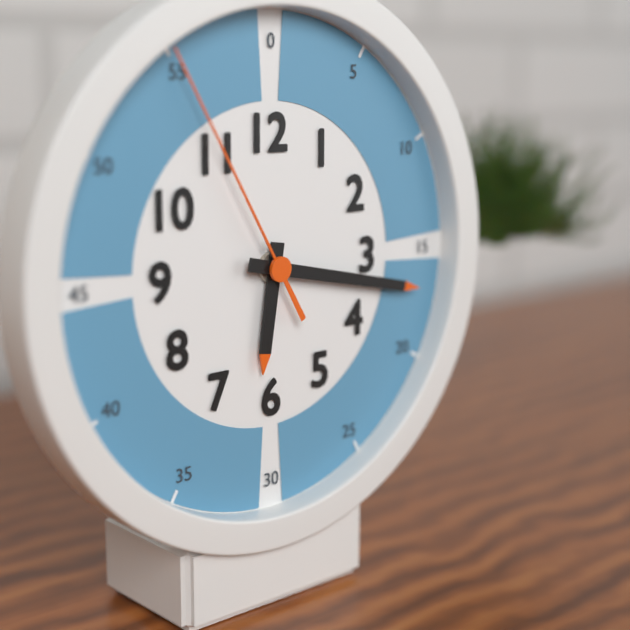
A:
h=6 m=17 s=55
